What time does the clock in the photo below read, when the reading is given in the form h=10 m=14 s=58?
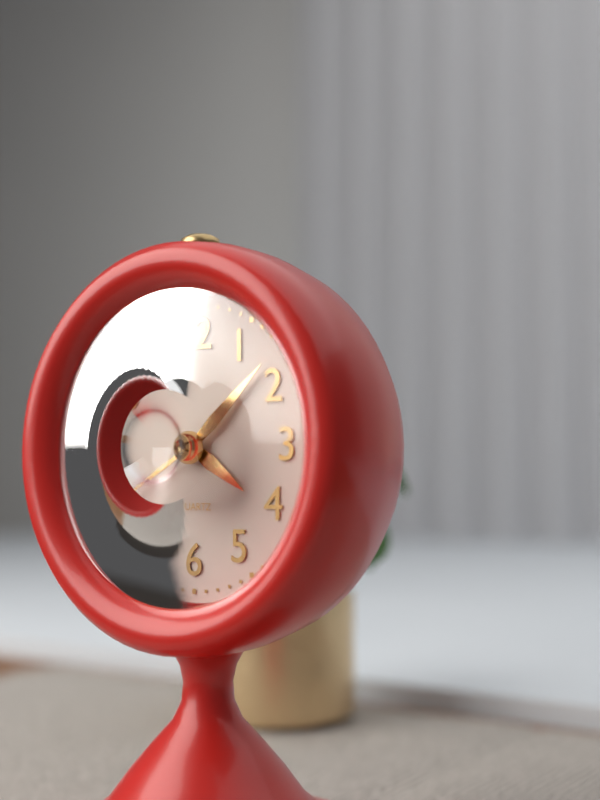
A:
h=4 m=8 s=40
